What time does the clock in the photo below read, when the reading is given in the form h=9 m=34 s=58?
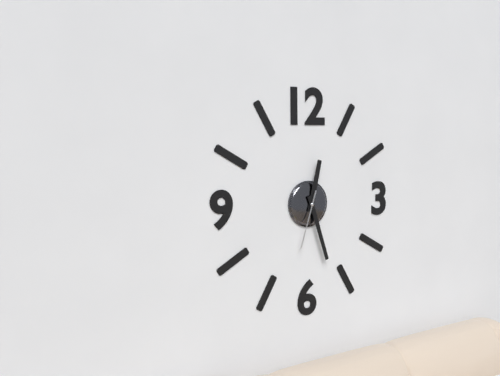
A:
h=12 m=27 s=33
